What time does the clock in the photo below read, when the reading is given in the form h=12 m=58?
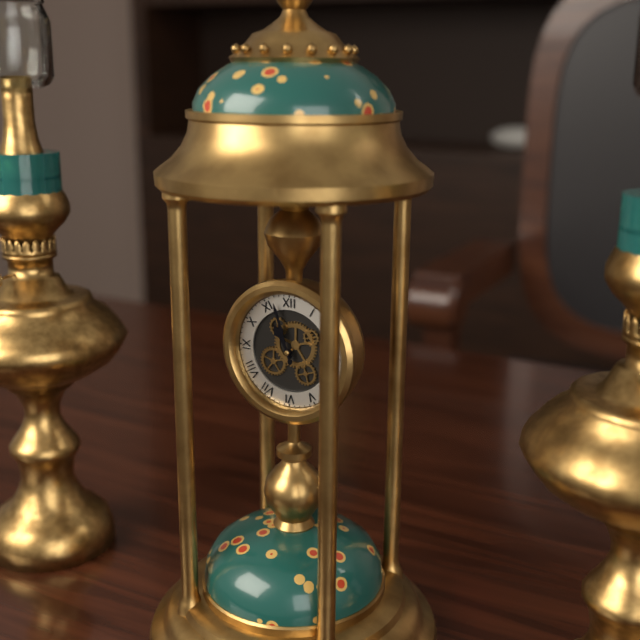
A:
h=10 m=57
